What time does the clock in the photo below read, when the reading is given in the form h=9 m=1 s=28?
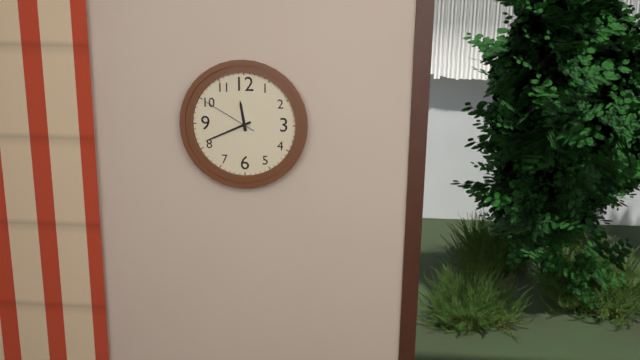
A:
h=11 m=41 s=50
